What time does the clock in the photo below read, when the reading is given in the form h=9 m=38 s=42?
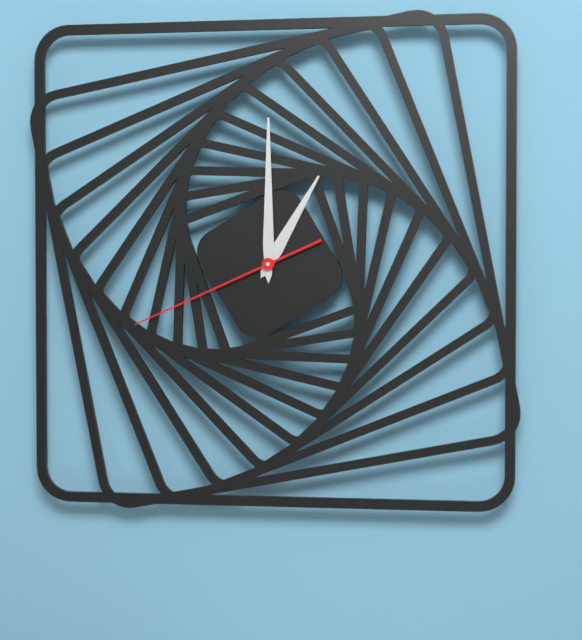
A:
h=1 m=0 s=41
